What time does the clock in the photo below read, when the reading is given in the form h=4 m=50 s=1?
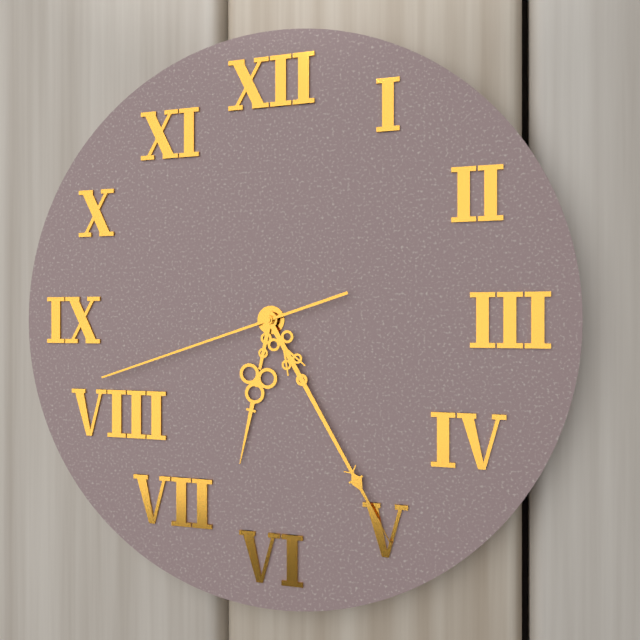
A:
h=6 m=25 s=42
